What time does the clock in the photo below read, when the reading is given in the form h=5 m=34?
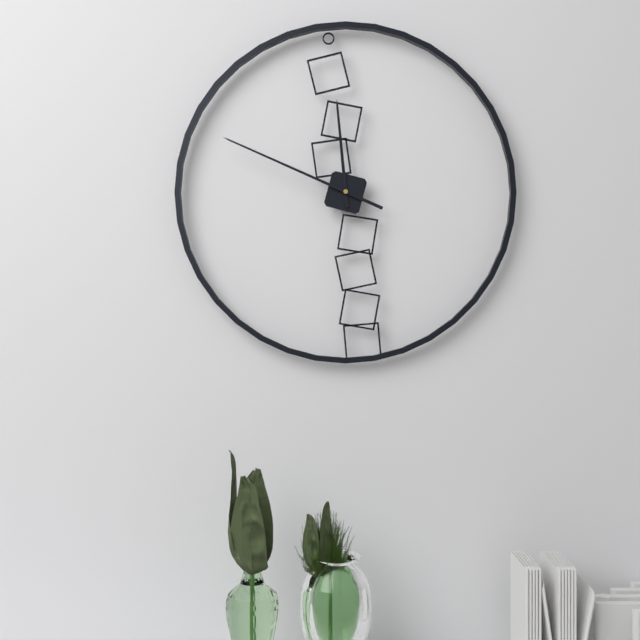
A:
h=11 m=49
